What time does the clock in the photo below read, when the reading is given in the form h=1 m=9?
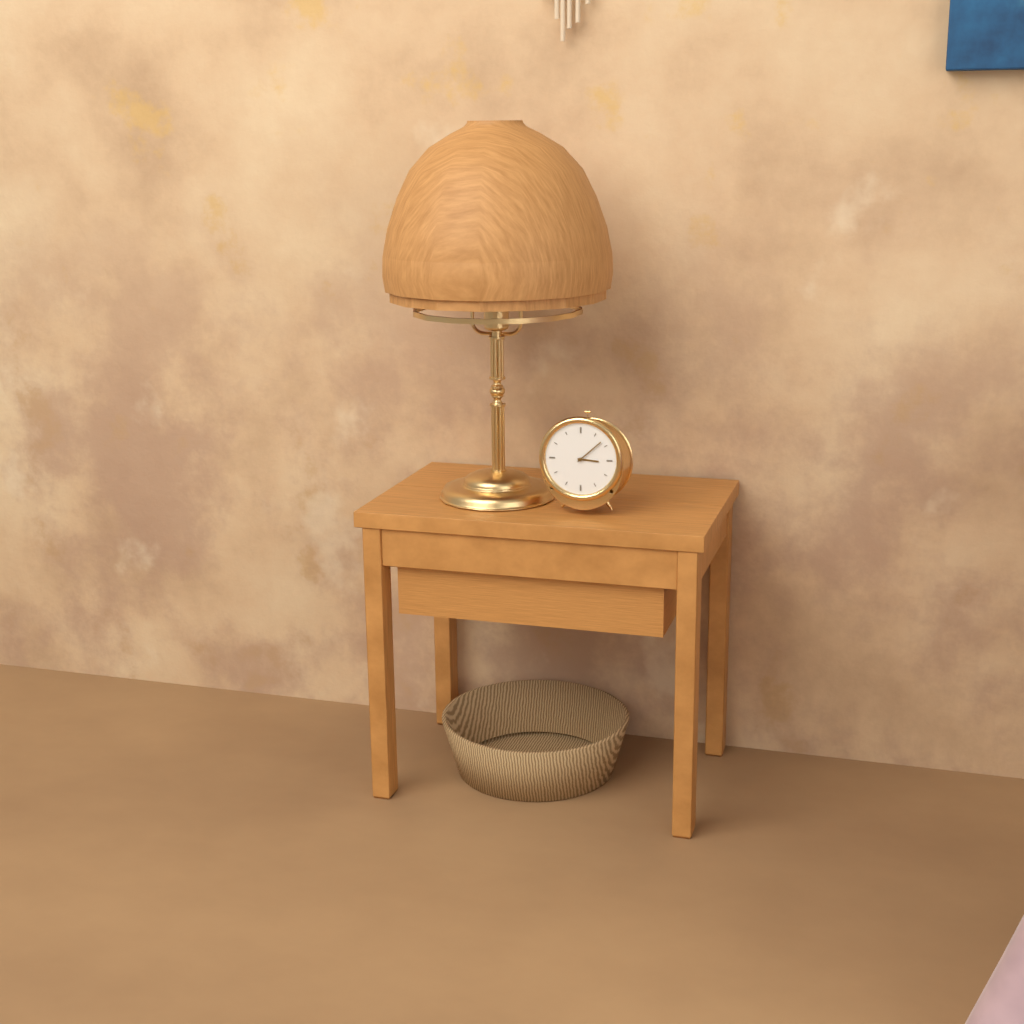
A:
h=3 m=8
